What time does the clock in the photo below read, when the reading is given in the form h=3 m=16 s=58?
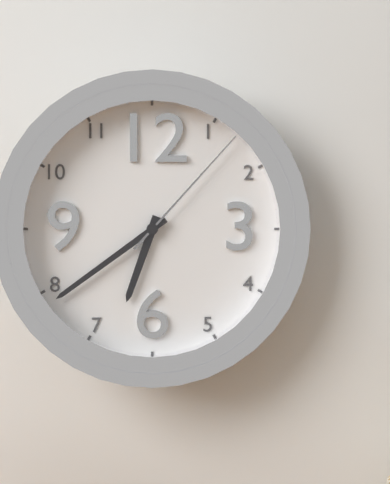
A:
h=6 m=39 s=7
